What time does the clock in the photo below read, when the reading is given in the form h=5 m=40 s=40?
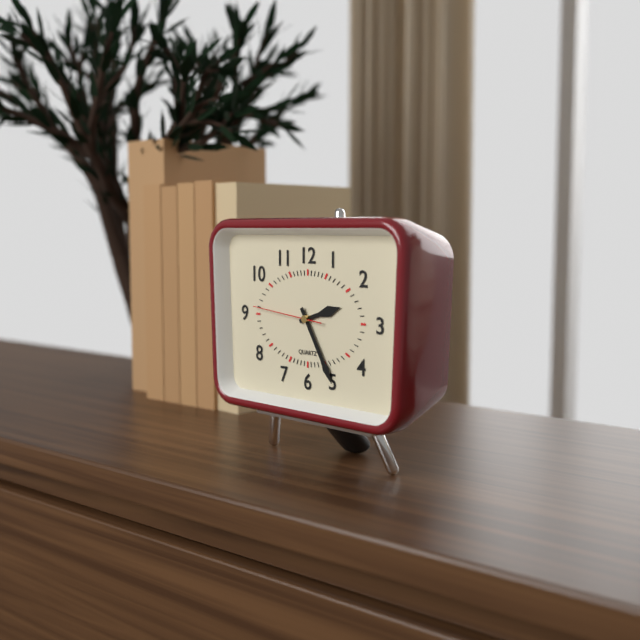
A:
h=2 m=25 s=46
